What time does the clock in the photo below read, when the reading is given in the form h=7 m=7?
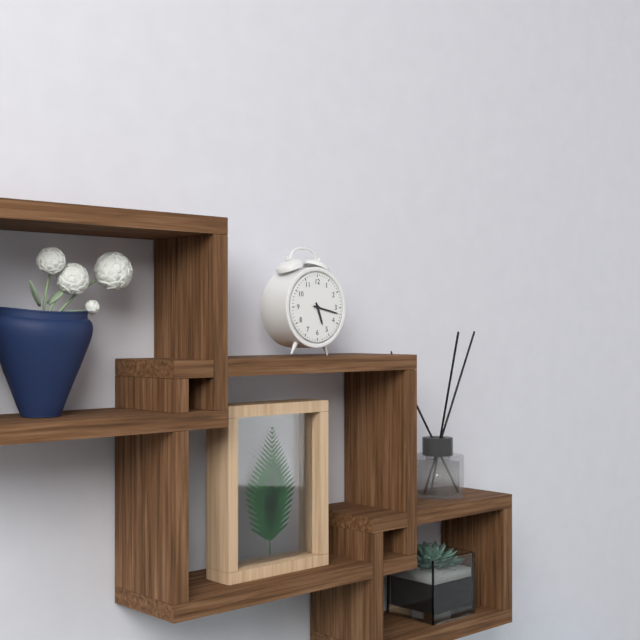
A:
h=5 m=17
